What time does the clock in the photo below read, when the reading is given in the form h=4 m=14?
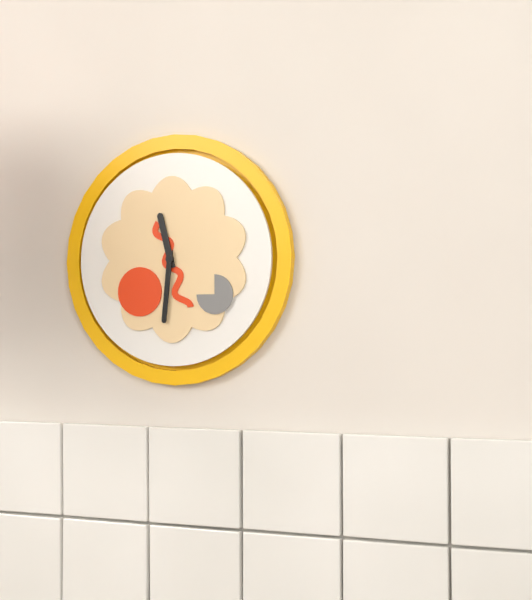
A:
h=11 m=31
